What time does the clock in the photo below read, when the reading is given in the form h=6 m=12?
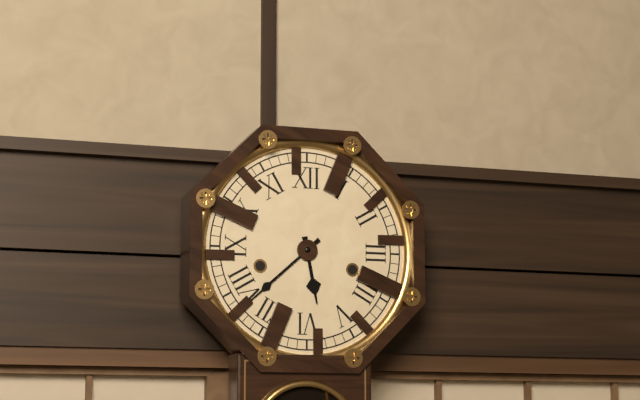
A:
h=5 m=38
